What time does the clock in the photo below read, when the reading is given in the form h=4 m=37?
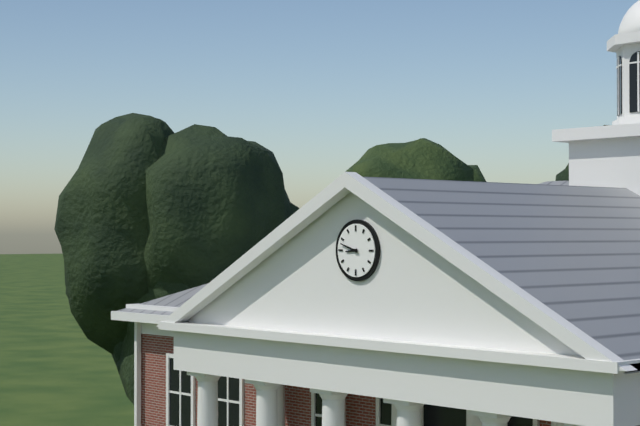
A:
h=8 m=48
